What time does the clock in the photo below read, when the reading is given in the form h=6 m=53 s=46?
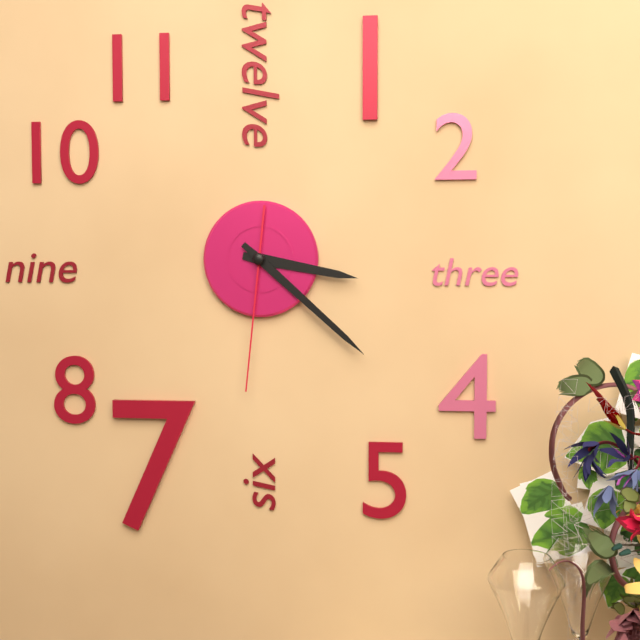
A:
h=3 m=22 s=31
